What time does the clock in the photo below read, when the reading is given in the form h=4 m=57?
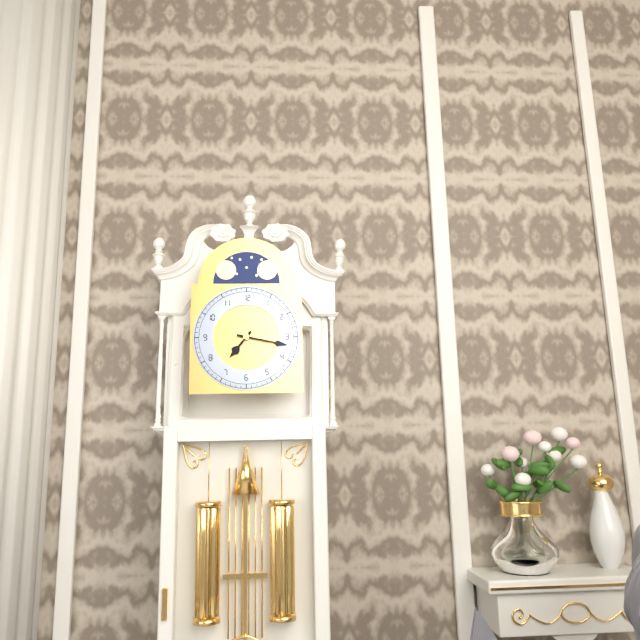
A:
h=7 m=17
